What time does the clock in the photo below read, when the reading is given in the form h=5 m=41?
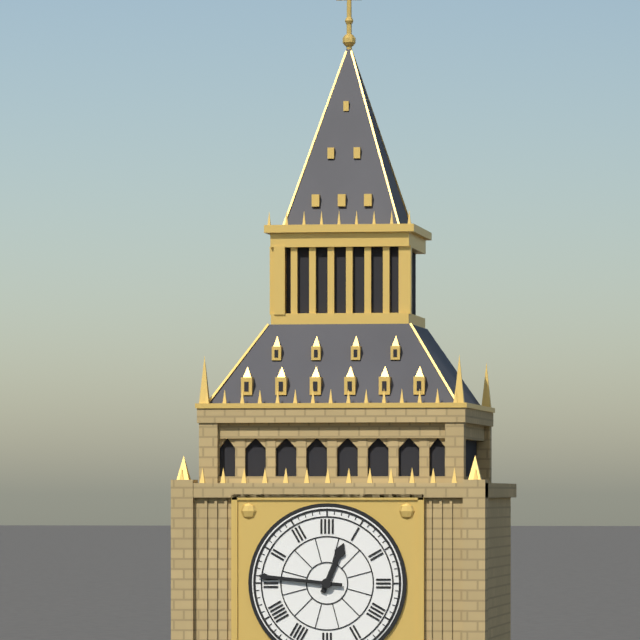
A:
h=12 m=46
